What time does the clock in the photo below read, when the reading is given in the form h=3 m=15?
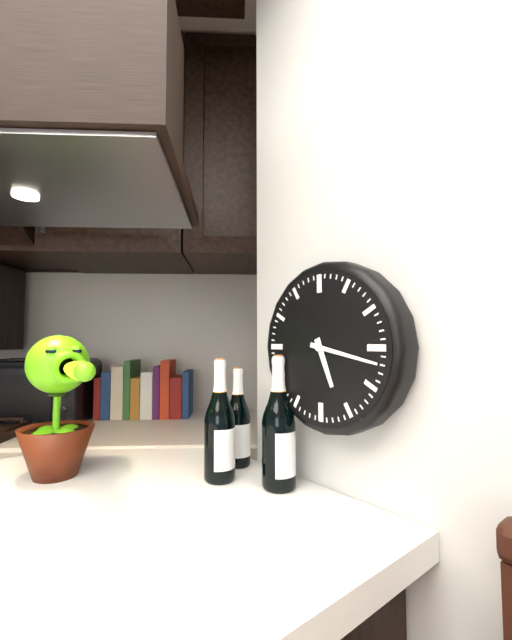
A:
h=5 m=17
